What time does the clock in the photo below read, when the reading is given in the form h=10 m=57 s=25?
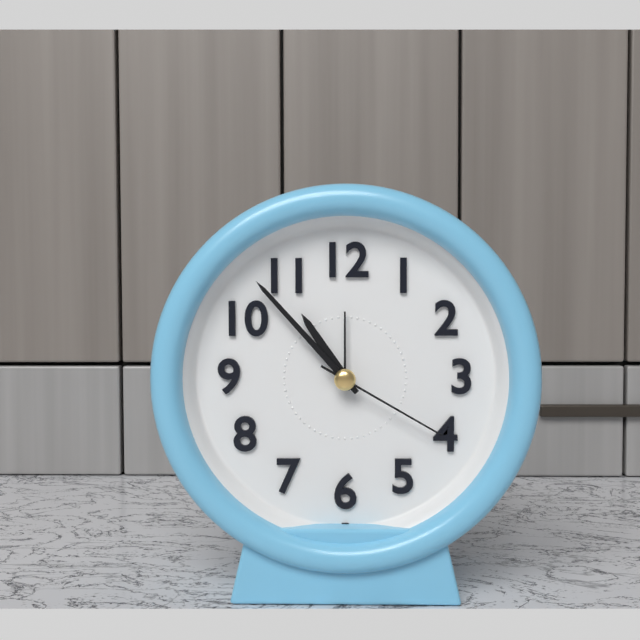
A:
h=10 m=53 s=20
